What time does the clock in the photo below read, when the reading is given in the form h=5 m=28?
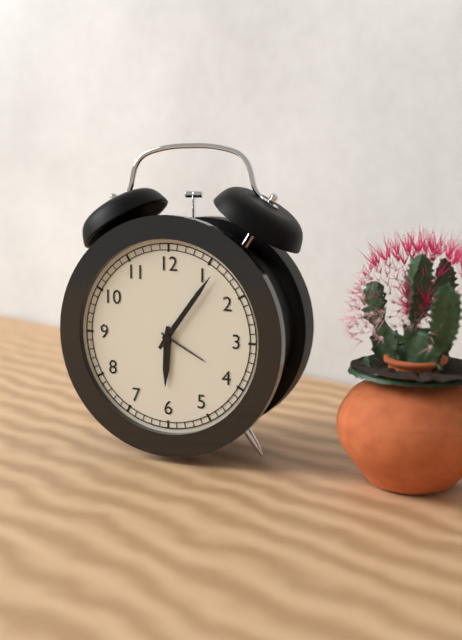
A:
h=6 m=6
